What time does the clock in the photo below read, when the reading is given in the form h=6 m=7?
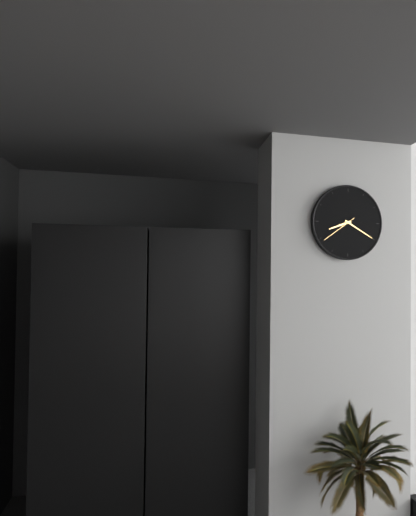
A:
h=8 m=20
